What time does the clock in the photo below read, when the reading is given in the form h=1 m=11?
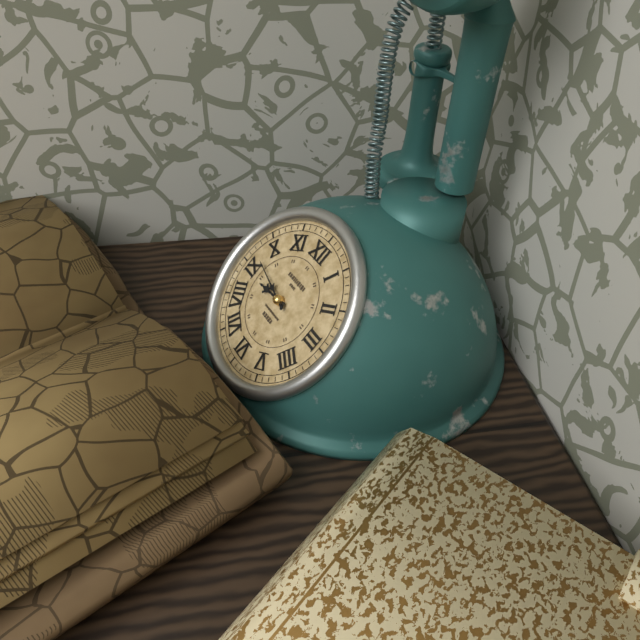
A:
h=8 m=47
